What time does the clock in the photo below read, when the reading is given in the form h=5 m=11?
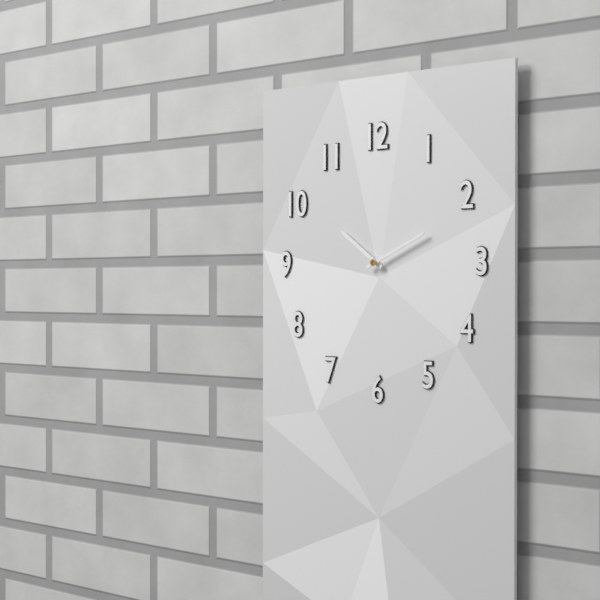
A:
h=10 m=11
